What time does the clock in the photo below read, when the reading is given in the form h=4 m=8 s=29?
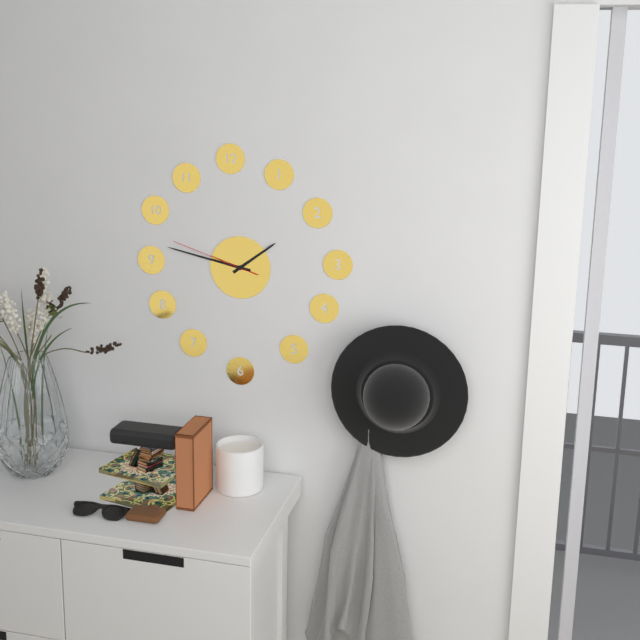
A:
h=1 m=47 s=48
